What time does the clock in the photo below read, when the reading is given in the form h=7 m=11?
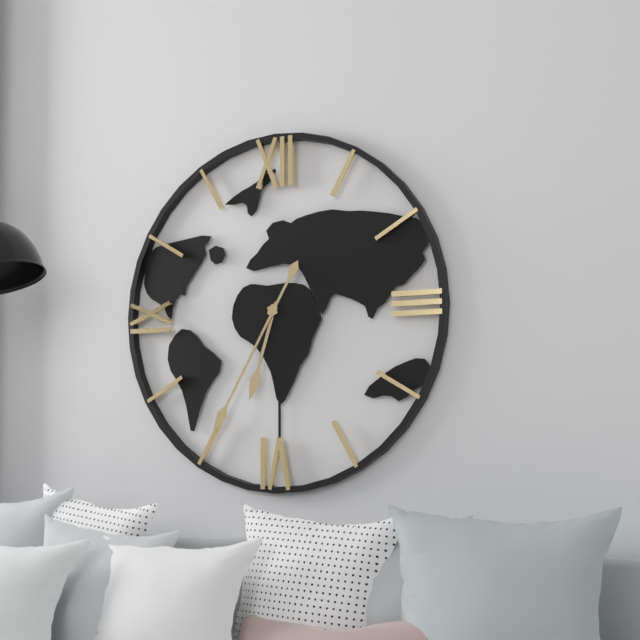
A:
h=6 m=35
